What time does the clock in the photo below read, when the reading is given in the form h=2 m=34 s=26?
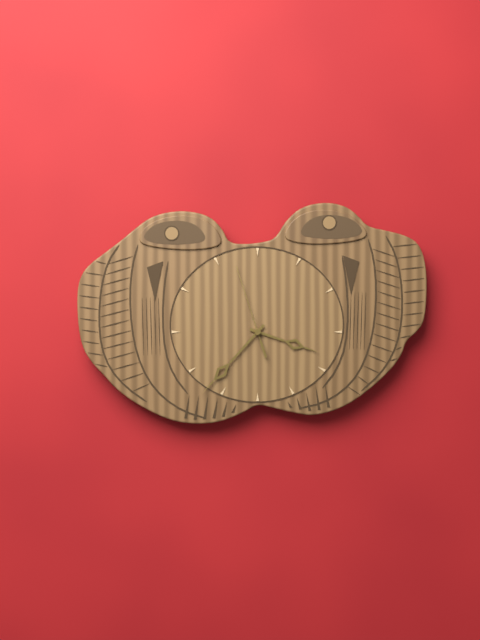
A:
h=3 m=37 s=57
